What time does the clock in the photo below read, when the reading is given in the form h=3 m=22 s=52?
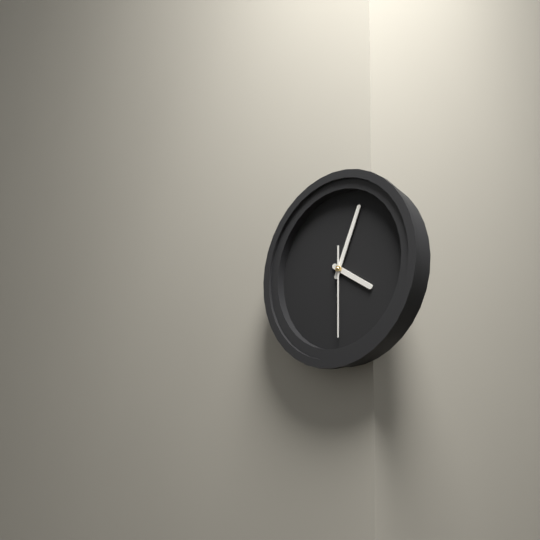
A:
h=4 m=4 s=30
